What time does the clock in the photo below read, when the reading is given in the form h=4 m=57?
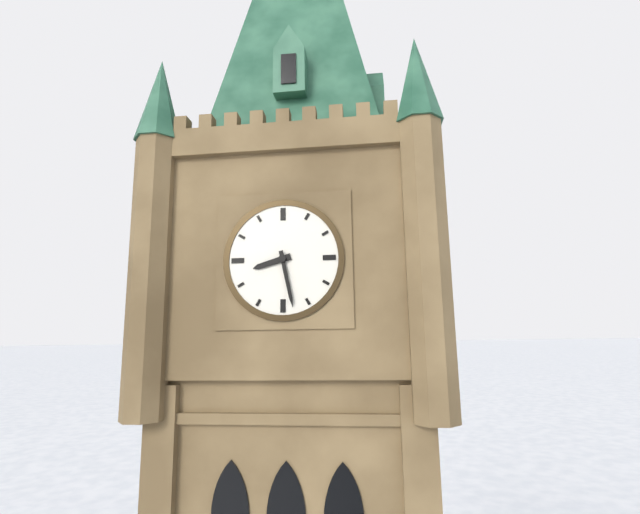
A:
h=8 m=28
